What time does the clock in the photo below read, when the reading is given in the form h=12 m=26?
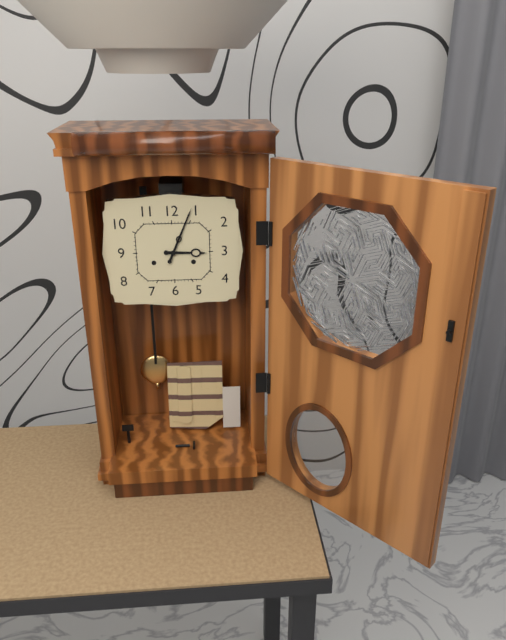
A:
h=3 m=4
